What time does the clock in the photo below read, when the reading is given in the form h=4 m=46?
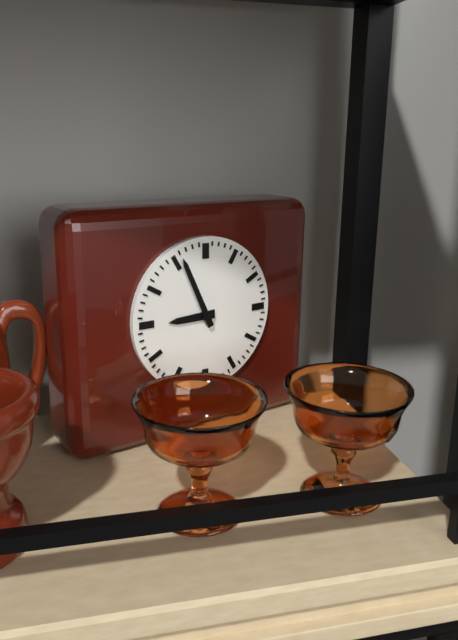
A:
h=8 m=56
